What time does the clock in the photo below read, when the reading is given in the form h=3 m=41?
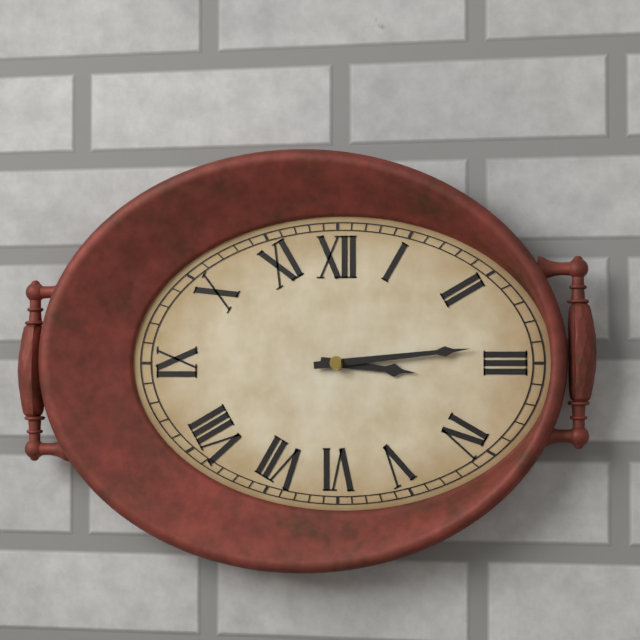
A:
h=3 m=14
